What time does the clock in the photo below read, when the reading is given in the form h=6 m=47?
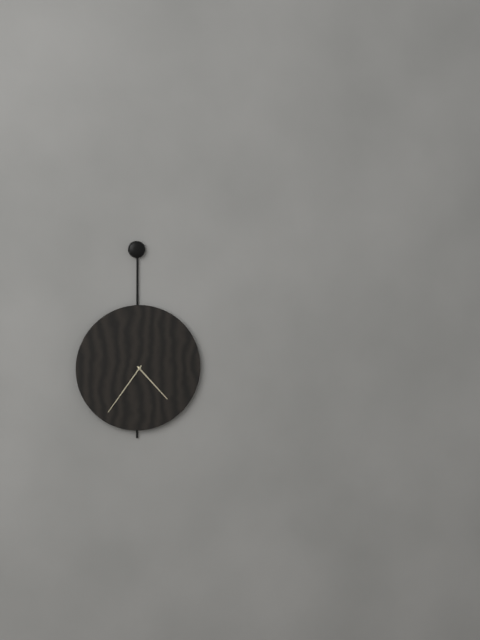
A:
h=4 m=36
